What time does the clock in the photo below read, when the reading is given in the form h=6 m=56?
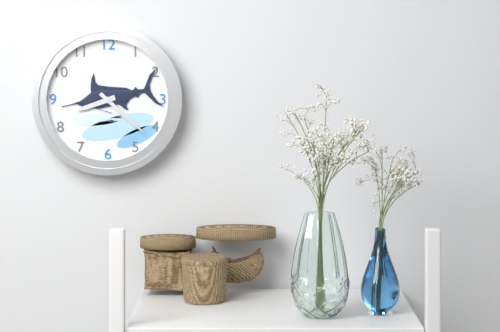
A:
h=8 m=22
